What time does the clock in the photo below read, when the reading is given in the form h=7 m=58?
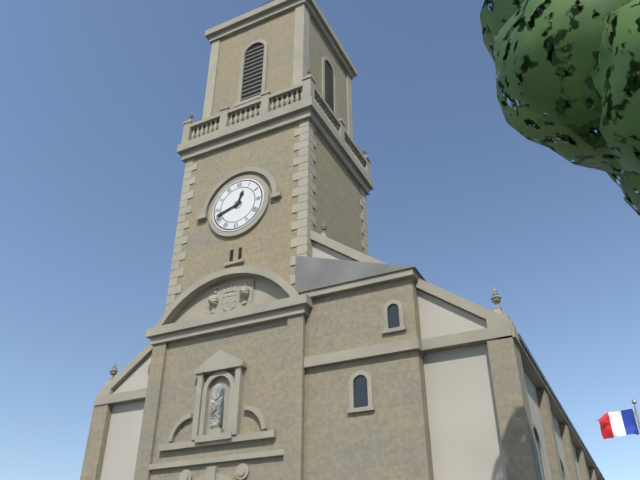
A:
h=12 m=42
